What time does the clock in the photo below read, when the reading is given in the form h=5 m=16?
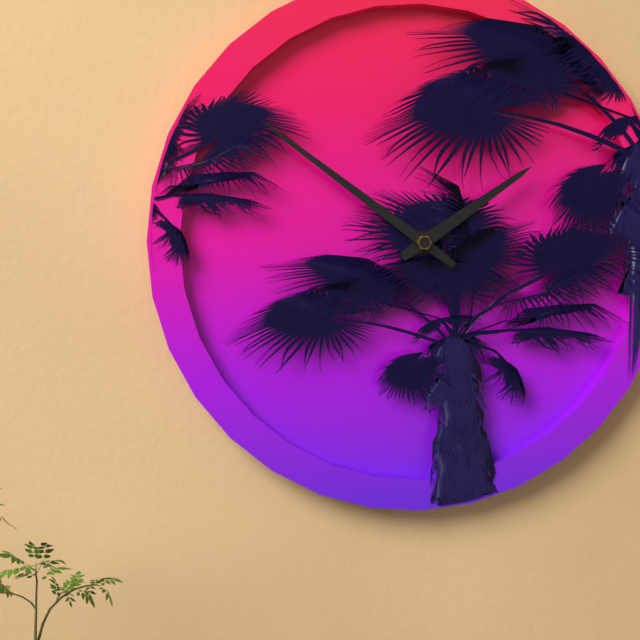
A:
h=1 m=51
